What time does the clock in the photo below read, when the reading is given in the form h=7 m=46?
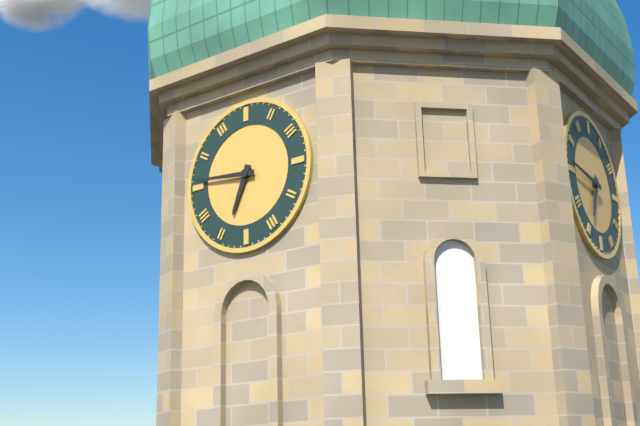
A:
h=6 m=46
